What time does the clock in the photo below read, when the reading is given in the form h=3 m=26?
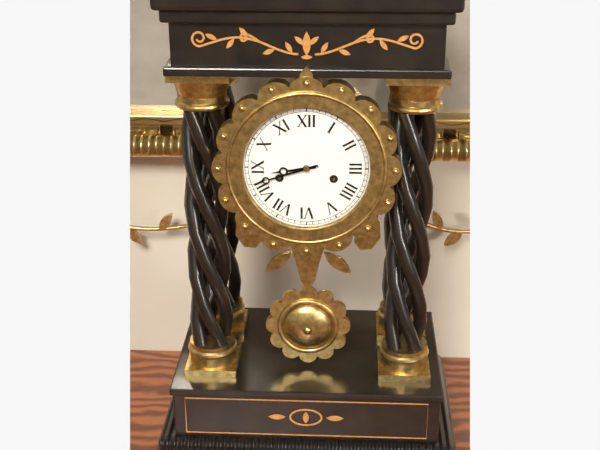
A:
h=8 m=42
